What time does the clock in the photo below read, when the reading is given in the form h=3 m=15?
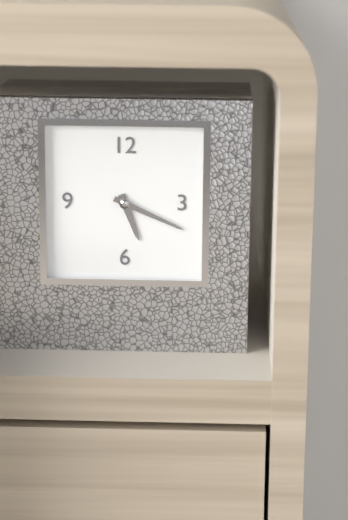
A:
h=5 m=19
